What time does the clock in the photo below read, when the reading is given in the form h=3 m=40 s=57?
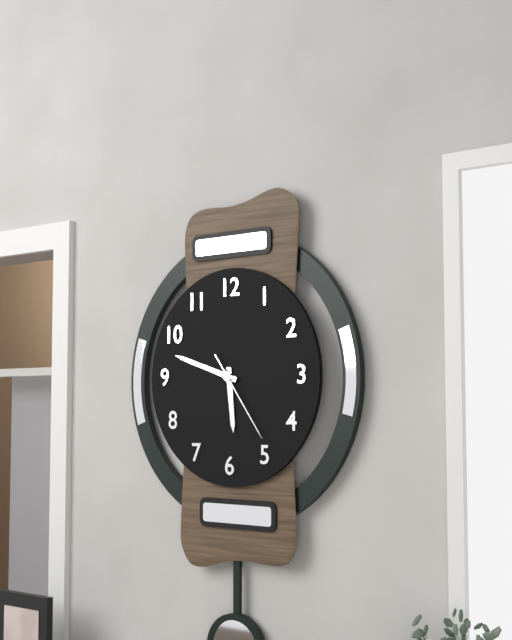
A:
h=5 m=48 s=24
